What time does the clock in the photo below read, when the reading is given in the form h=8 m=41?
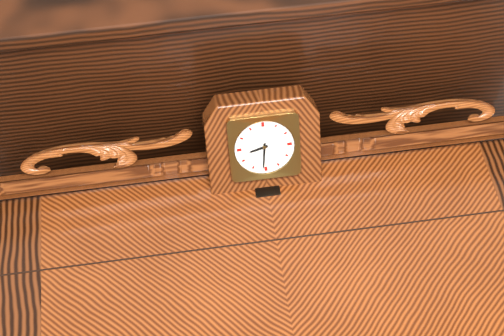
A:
h=8 m=31
